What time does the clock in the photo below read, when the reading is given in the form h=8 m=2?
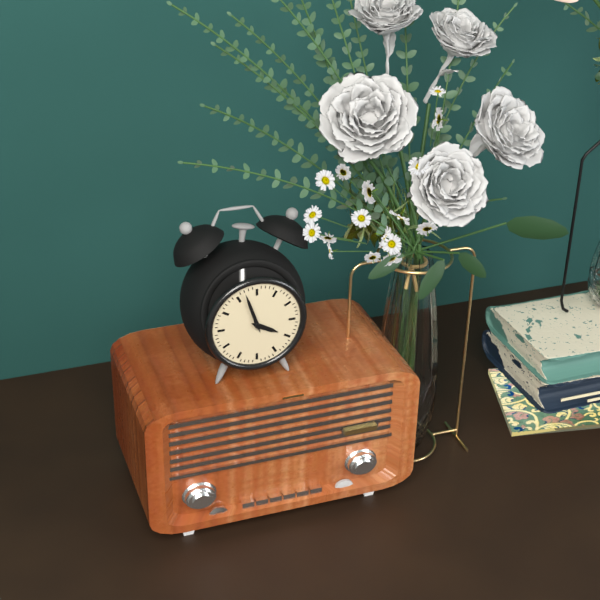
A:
h=3 m=57
